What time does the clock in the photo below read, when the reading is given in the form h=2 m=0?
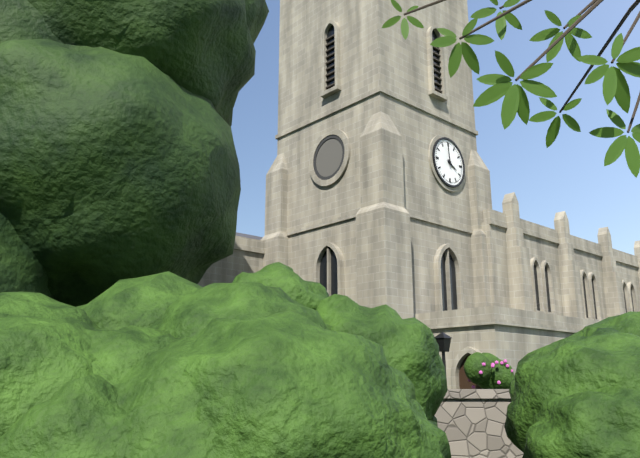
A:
h=3 m=59
